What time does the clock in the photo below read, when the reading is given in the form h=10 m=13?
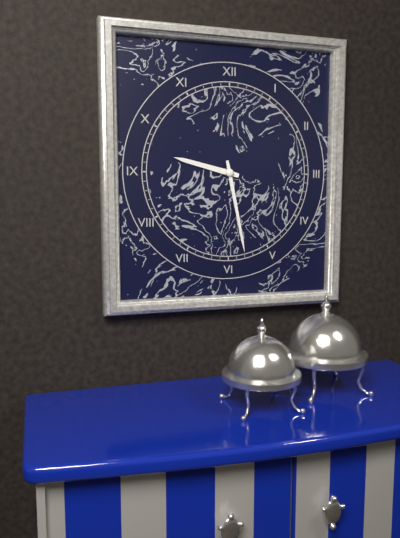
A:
h=9 m=28
